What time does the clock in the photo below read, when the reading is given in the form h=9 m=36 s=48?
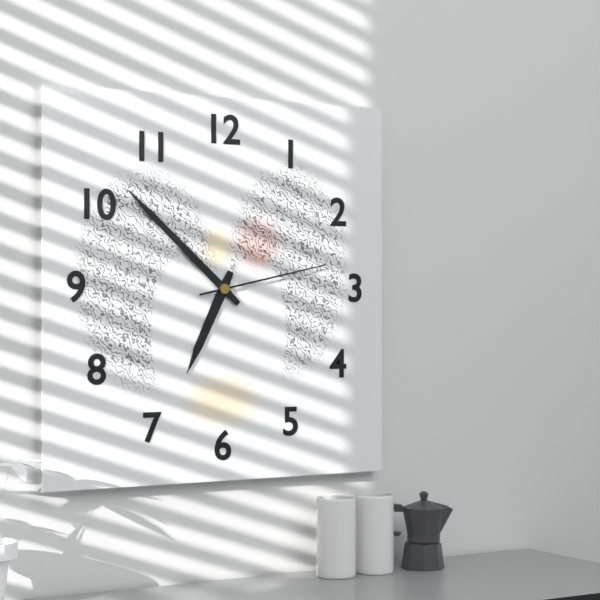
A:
h=6 m=52 s=13
